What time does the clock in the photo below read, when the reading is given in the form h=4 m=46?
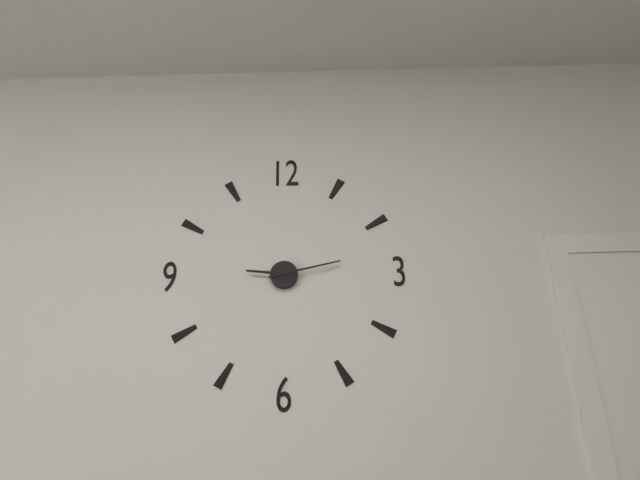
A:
h=9 m=13
